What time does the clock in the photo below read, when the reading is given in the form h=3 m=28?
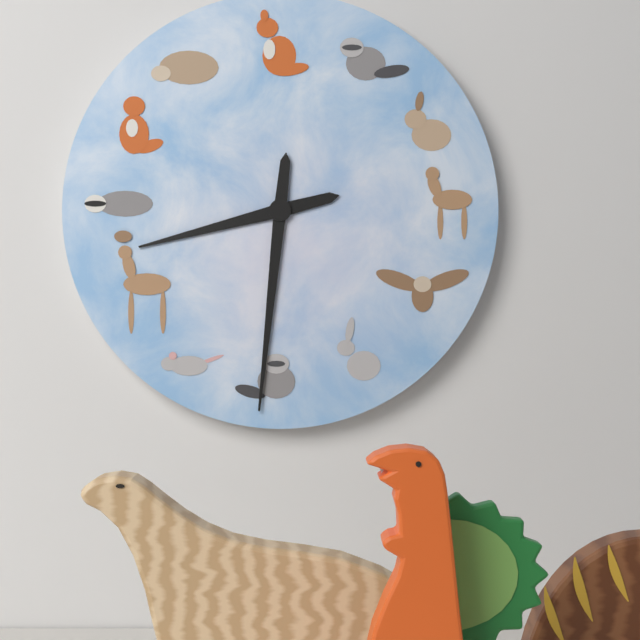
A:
h=8 m=31
